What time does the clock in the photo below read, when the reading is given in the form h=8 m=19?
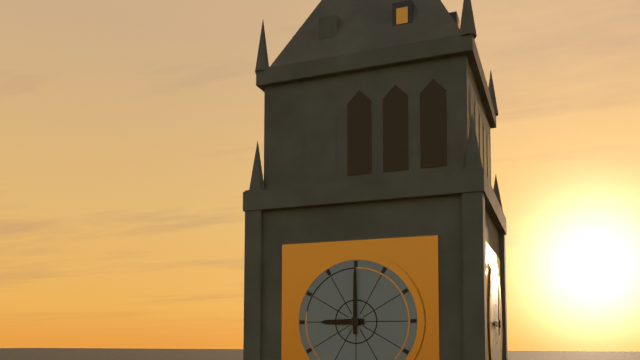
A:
h=9 m=0
